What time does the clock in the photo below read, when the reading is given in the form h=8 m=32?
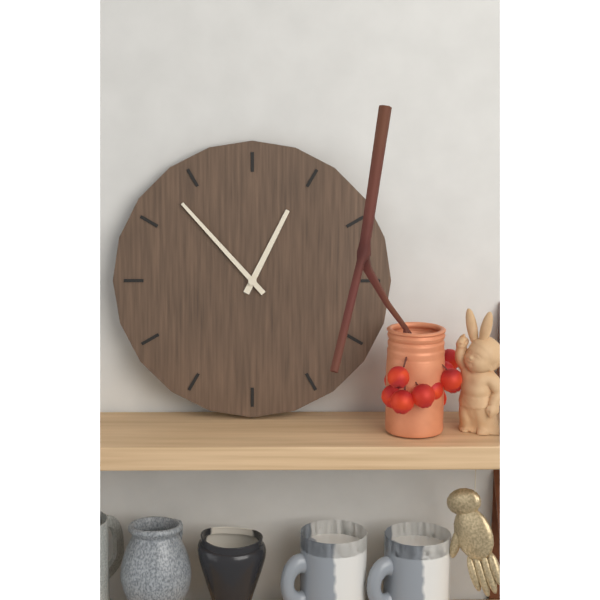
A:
h=12 m=53
